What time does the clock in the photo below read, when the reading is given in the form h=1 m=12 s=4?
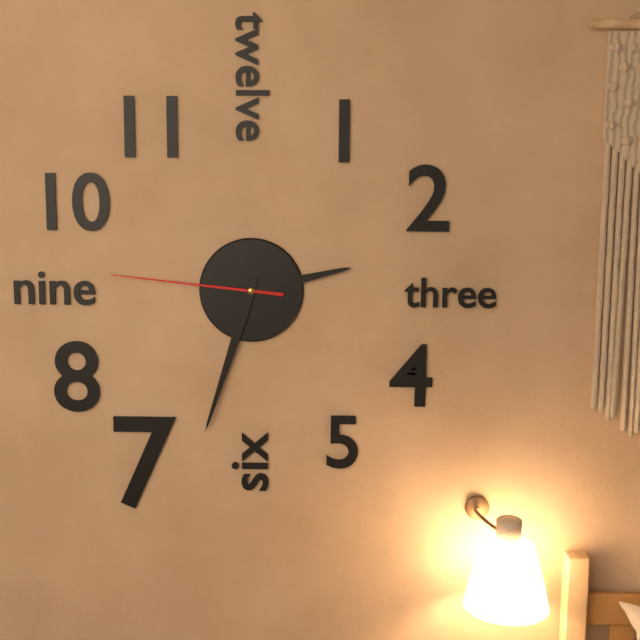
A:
h=2 m=33 s=46
